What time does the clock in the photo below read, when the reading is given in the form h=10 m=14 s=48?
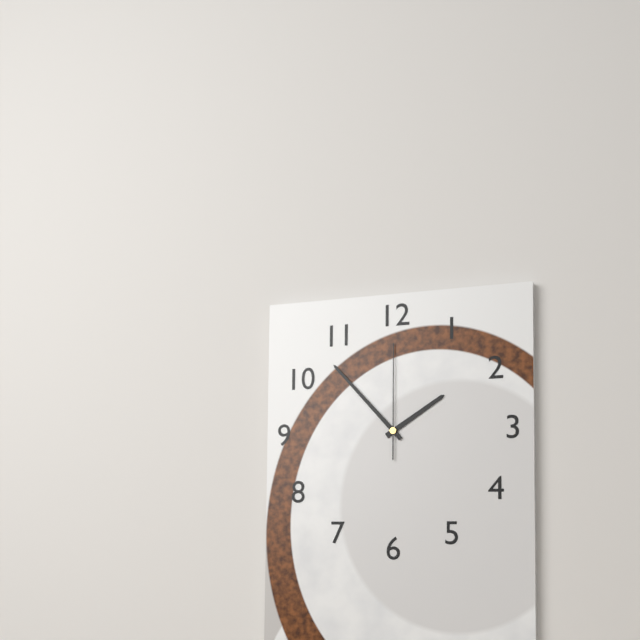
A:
h=1 m=53 s=0
